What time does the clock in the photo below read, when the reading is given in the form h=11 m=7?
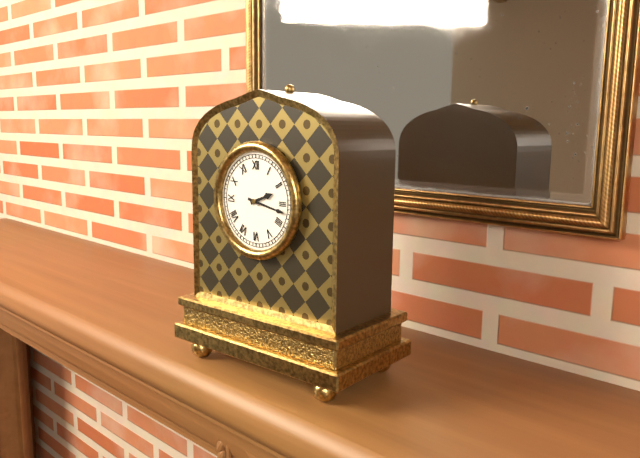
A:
h=2 m=17
